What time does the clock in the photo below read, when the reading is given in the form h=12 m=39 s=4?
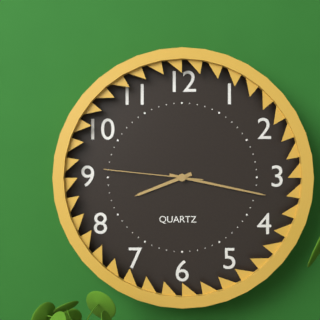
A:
h=8 m=17 s=46
